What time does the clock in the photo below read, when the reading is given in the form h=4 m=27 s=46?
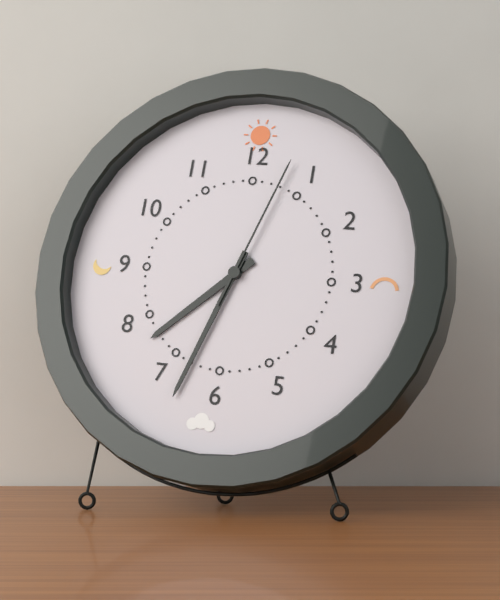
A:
h=7 m=33 s=3
